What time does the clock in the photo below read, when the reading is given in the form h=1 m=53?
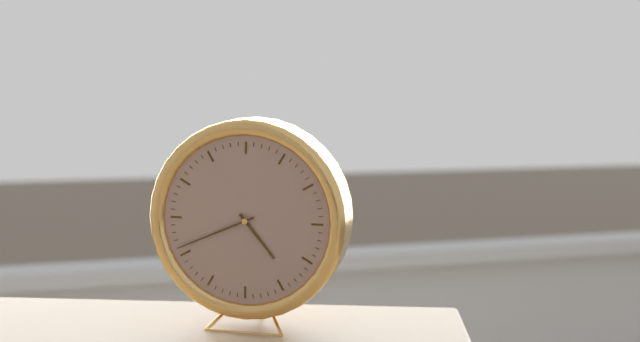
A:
h=4 m=41
